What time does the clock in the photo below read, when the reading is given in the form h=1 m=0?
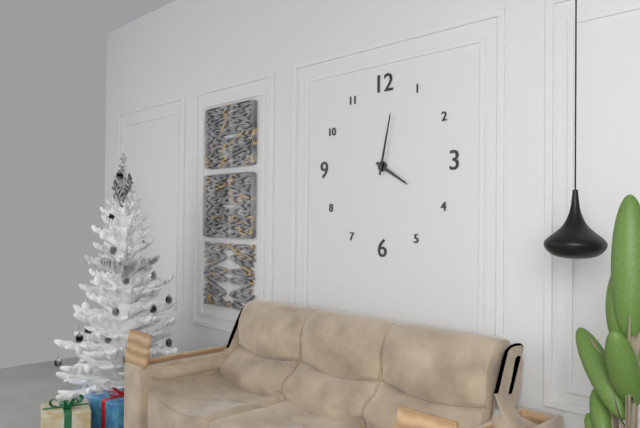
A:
h=4 m=2
